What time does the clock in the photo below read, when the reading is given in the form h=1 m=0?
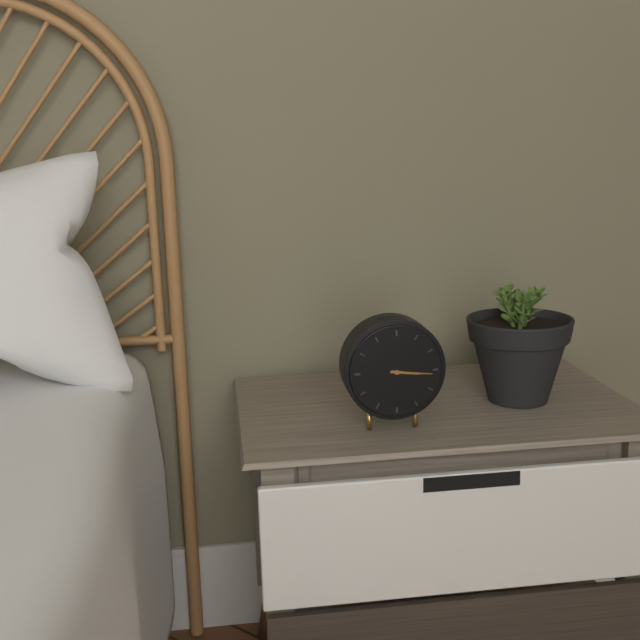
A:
h=3 m=16
